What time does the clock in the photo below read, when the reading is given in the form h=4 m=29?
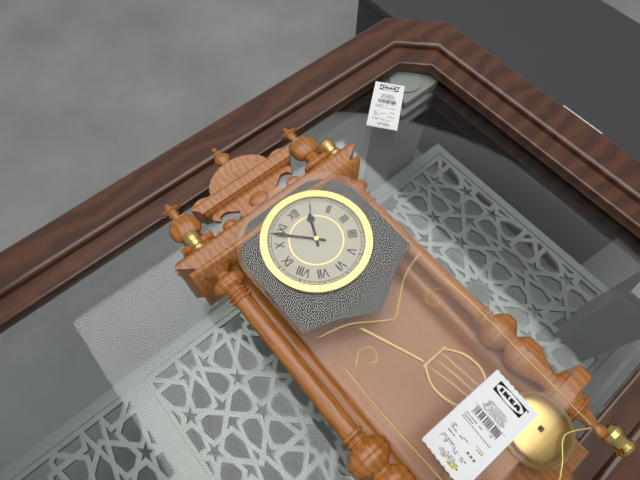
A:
h=12 m=53
